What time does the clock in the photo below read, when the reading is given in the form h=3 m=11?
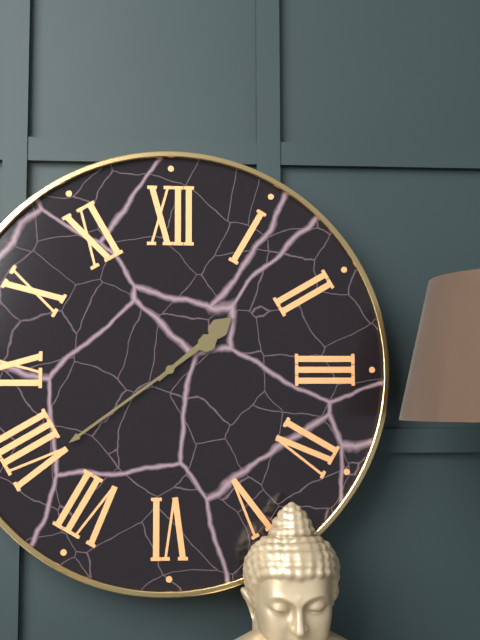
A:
h=1 m=39
